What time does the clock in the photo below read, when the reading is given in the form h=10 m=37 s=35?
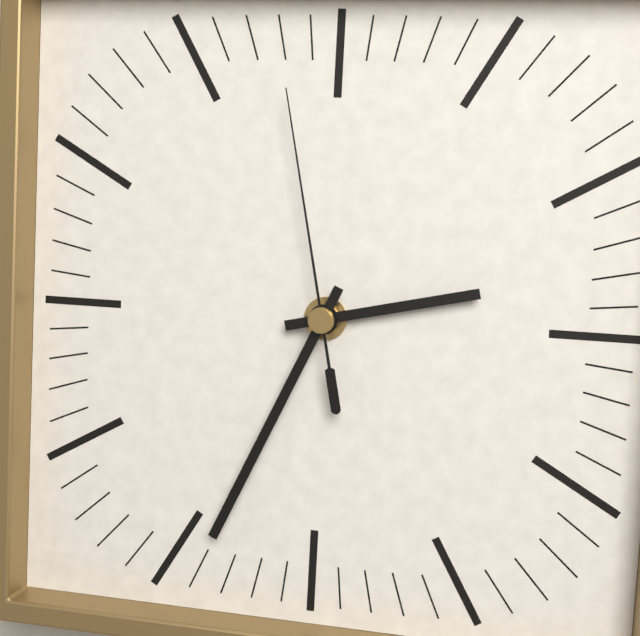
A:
h=2 m=34 s=58
